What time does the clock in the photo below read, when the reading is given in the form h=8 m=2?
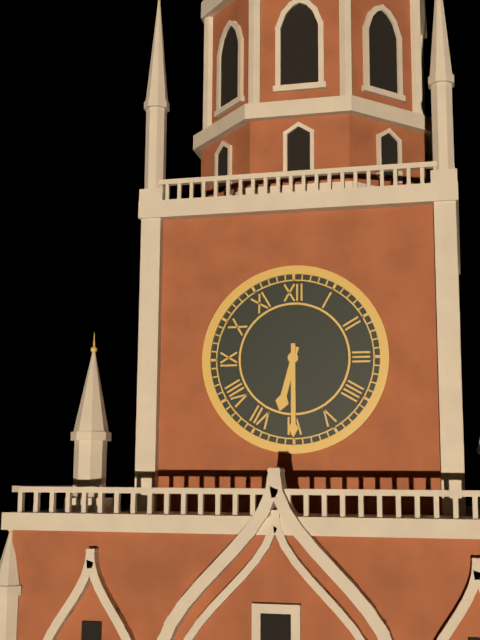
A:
h=6 m=30
